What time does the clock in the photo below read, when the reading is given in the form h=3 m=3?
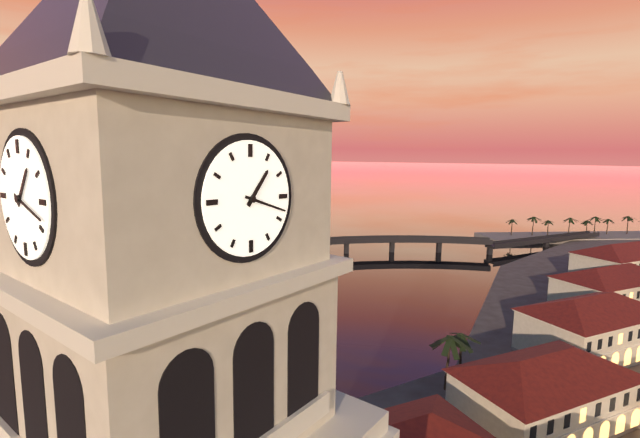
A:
h=1 m=18
